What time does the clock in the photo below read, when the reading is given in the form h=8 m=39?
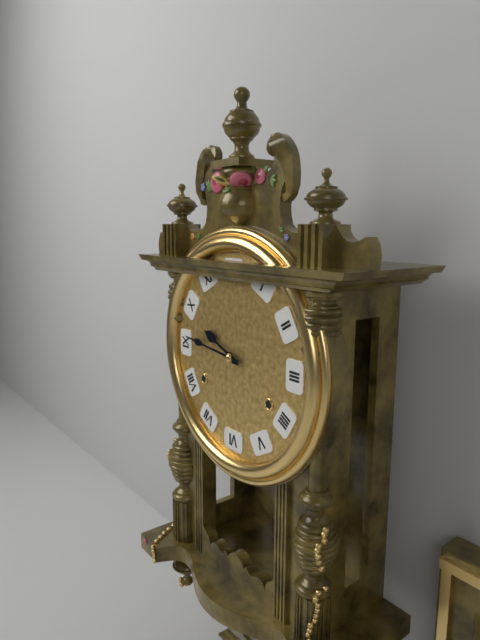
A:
h=9 m=46
